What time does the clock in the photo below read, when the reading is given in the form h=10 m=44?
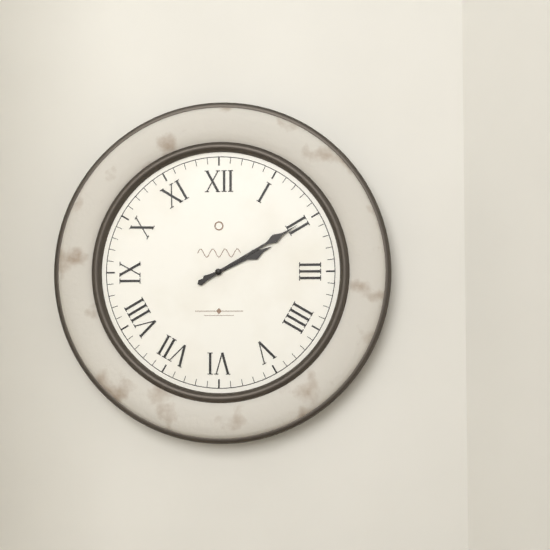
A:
h=2 m=10
